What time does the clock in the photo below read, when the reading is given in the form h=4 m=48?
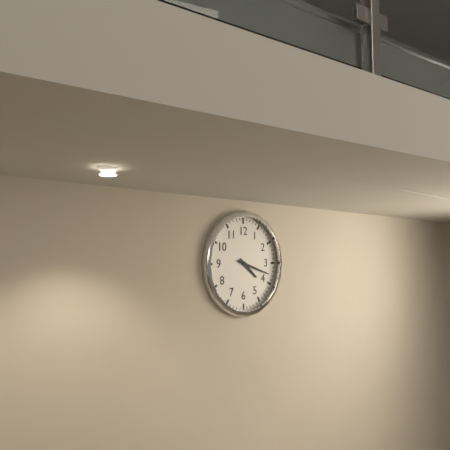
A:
h=4 m=18
